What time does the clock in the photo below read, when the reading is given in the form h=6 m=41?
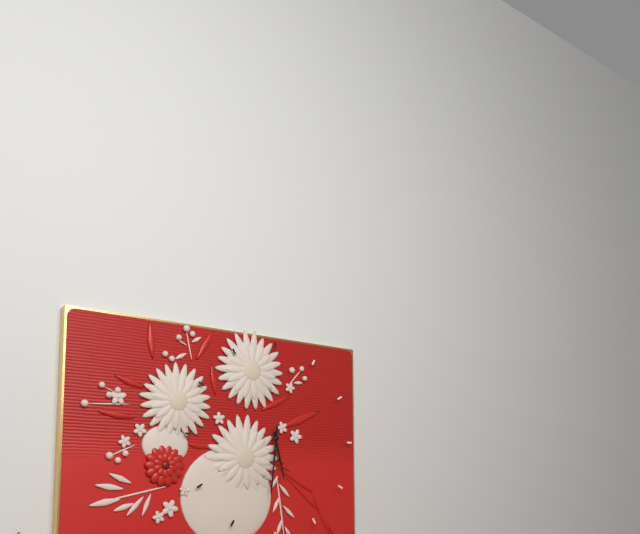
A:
h=5 m=31
